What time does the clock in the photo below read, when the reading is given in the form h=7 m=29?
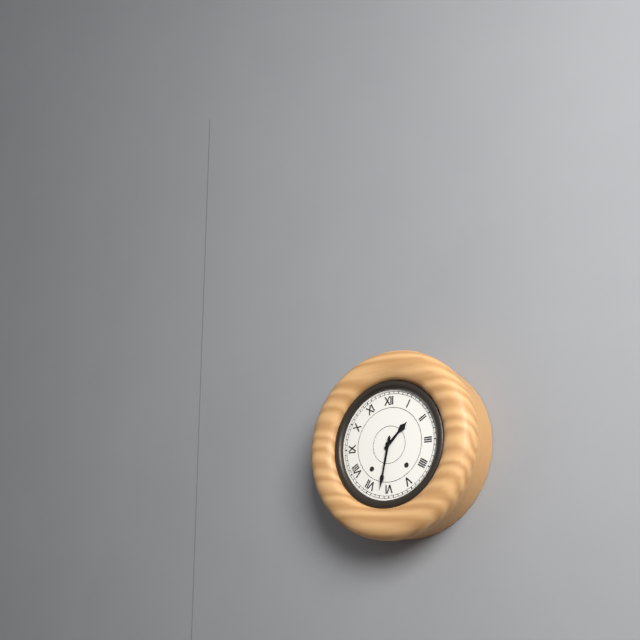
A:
h=1 m=32
